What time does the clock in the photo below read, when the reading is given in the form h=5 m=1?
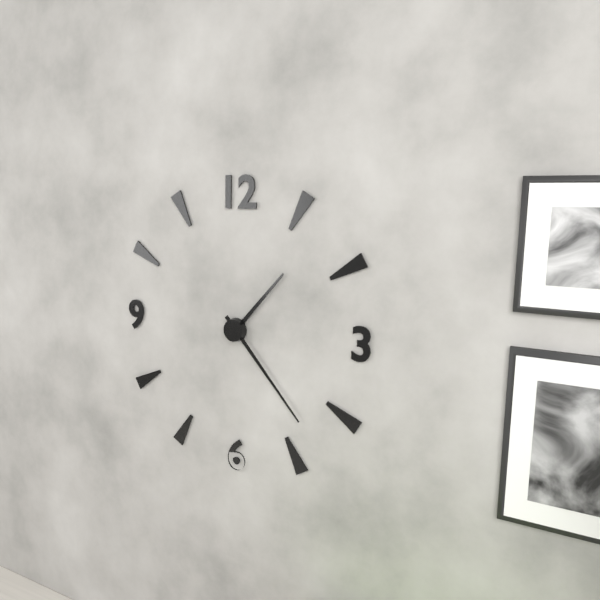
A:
h=1 m=23
